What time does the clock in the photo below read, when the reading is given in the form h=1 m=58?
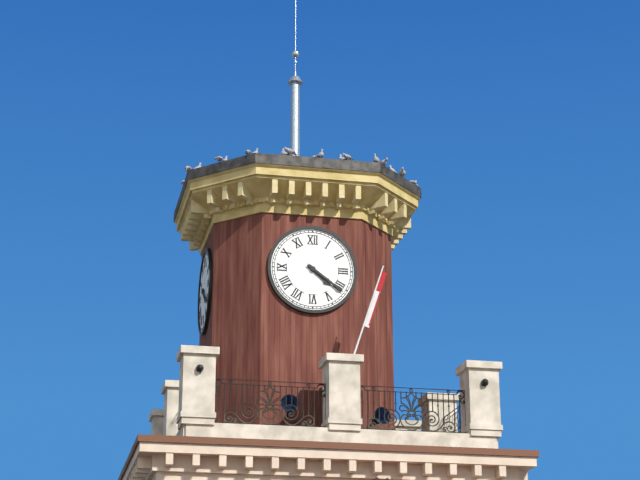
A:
h=4 m=21
